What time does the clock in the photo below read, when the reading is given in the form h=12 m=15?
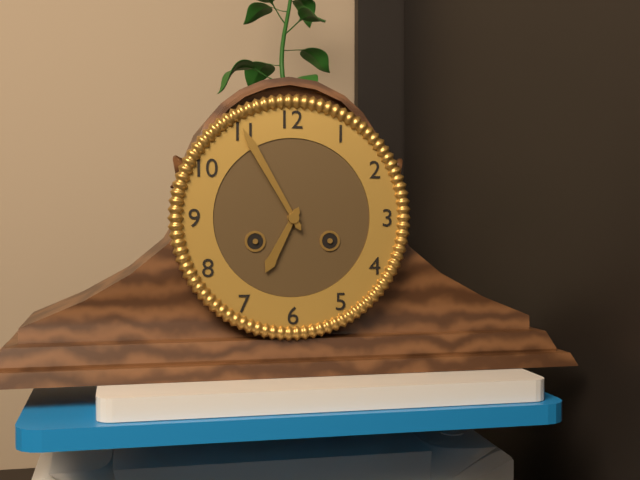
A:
h=6 m=55
